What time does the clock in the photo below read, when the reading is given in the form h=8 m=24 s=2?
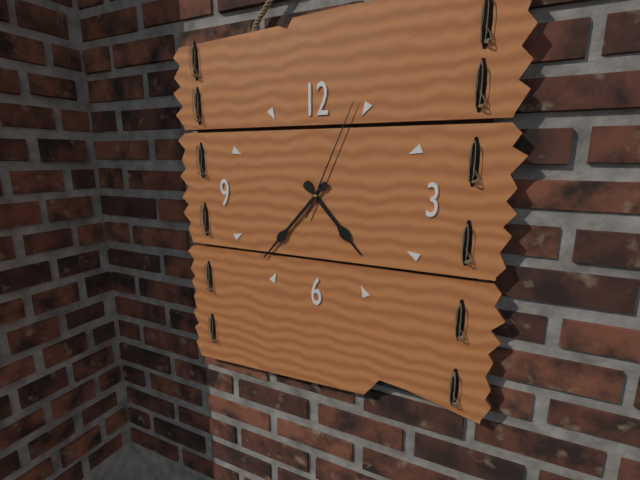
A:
h=4 m=37 s=4
